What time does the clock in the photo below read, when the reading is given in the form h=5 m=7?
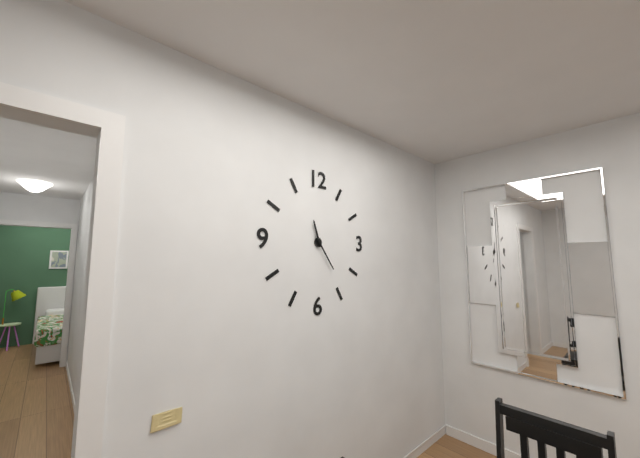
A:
h=11 m=24
